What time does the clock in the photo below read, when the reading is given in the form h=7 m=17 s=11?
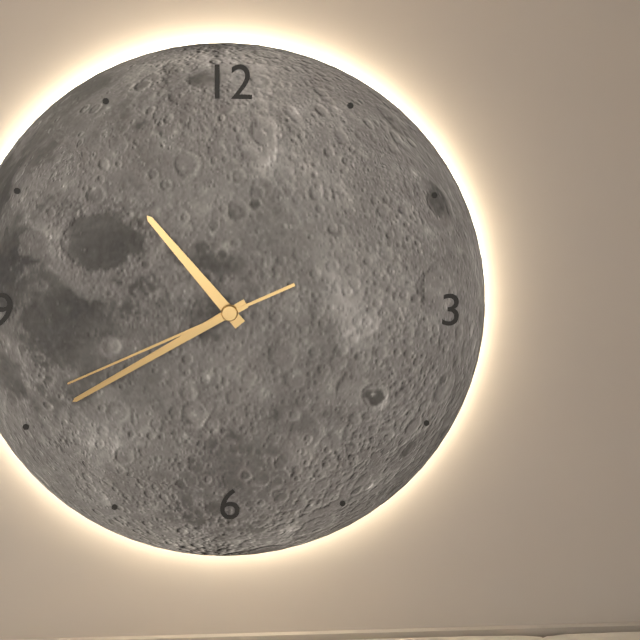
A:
h=10 m=40 s=41
